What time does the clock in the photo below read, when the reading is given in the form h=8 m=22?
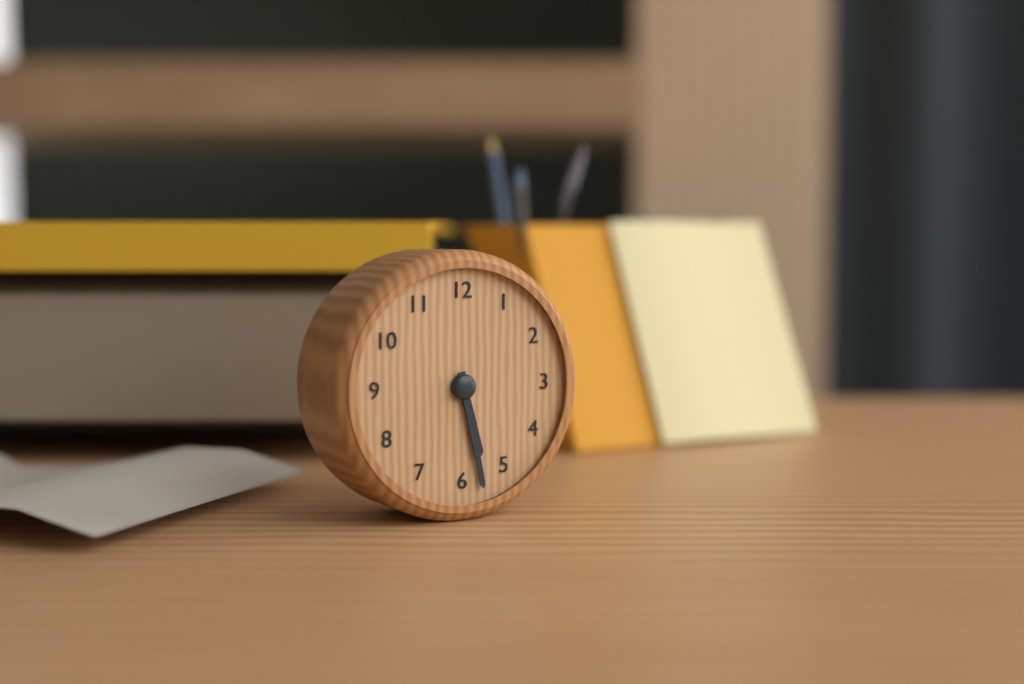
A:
h=5 m=28
